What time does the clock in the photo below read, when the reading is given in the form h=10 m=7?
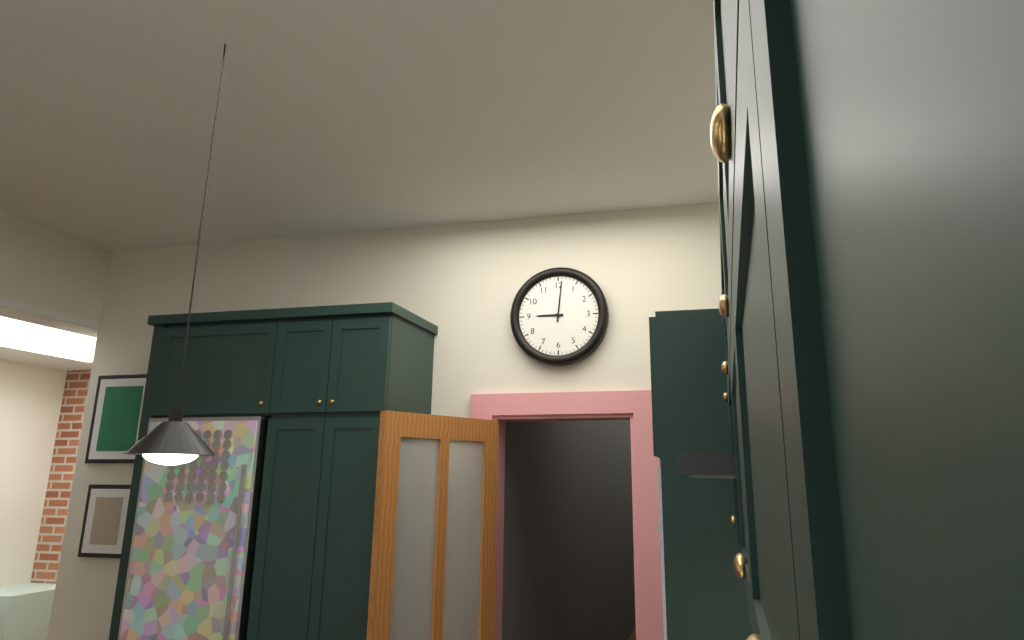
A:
h=9 m=1
